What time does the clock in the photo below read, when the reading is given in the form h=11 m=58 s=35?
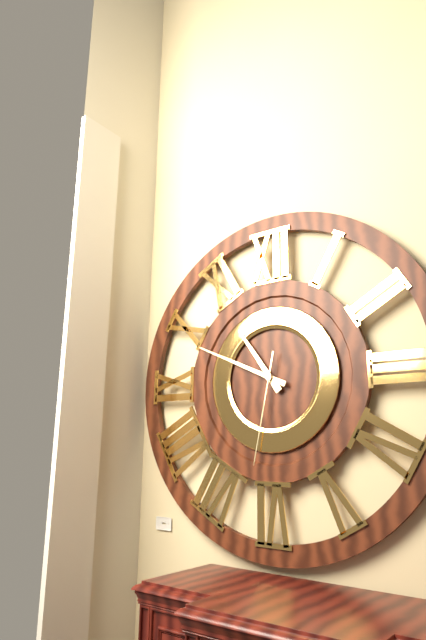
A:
h=10 m=49 s=32
